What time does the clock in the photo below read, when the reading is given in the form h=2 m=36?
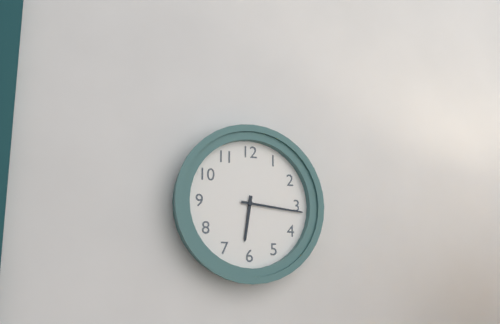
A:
h=6 m=16
